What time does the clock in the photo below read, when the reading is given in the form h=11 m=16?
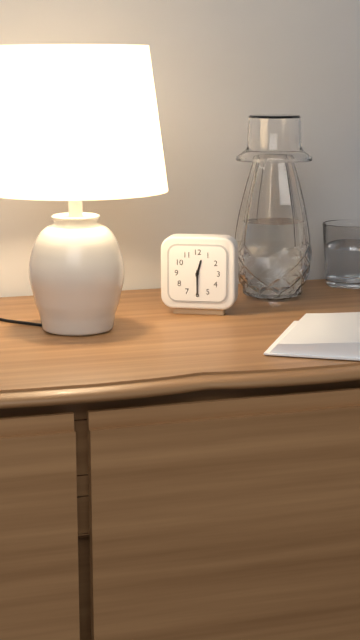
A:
h=12 m=30
